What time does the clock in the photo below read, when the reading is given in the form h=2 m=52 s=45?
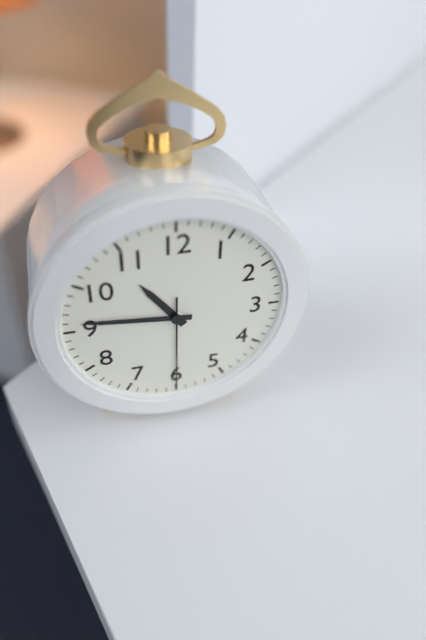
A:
h=10 m=46 s=30
